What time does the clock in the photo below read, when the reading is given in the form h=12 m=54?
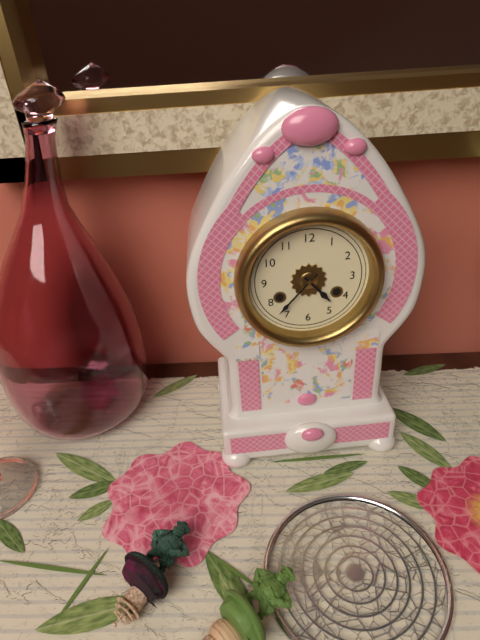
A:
h=4 m=37
